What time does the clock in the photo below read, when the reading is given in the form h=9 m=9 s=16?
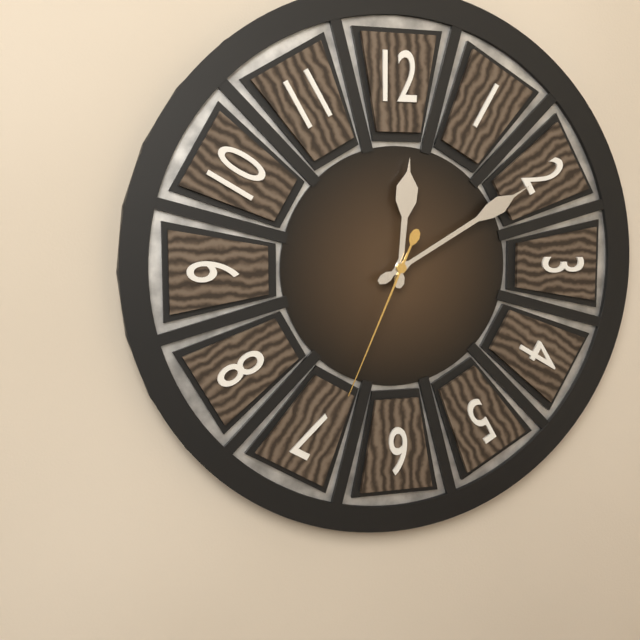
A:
h=12 m=10 s=34
